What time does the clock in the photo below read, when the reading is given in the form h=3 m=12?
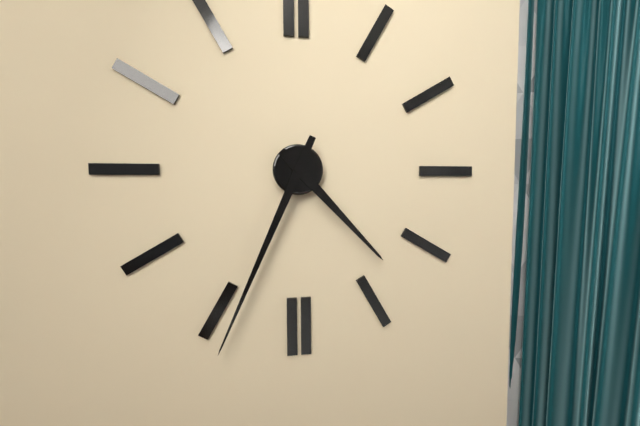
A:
h=4 m=34
